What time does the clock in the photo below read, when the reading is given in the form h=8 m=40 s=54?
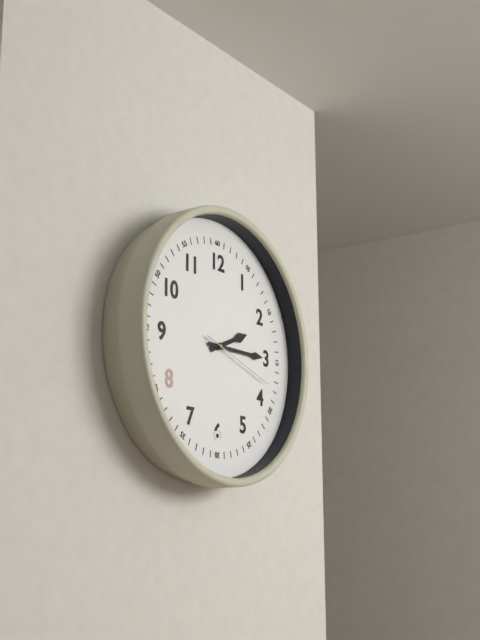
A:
h=2 m=15 s=18
